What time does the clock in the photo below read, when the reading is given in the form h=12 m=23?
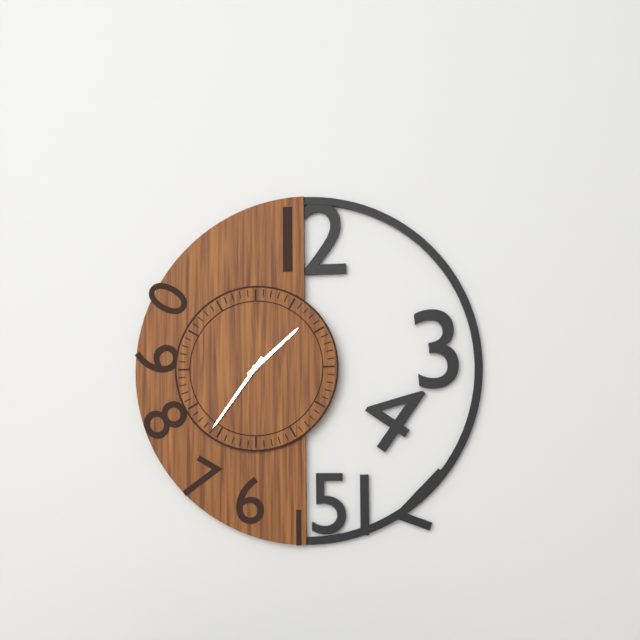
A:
h=1 m=36
